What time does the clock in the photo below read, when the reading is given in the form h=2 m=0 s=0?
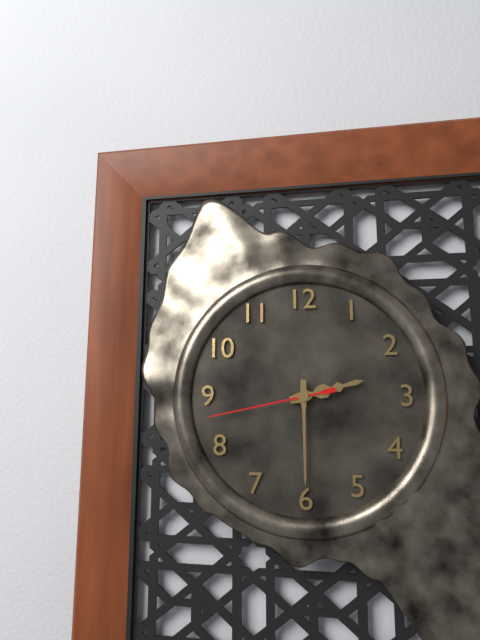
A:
h=2 m=30 s=43
